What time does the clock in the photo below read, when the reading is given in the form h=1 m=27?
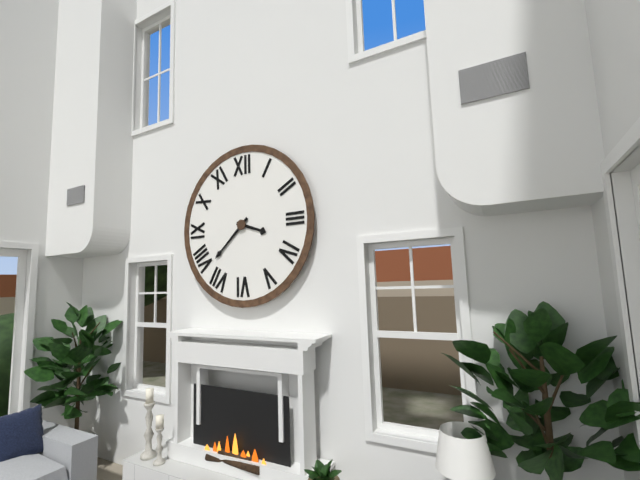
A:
h=3 m=38
